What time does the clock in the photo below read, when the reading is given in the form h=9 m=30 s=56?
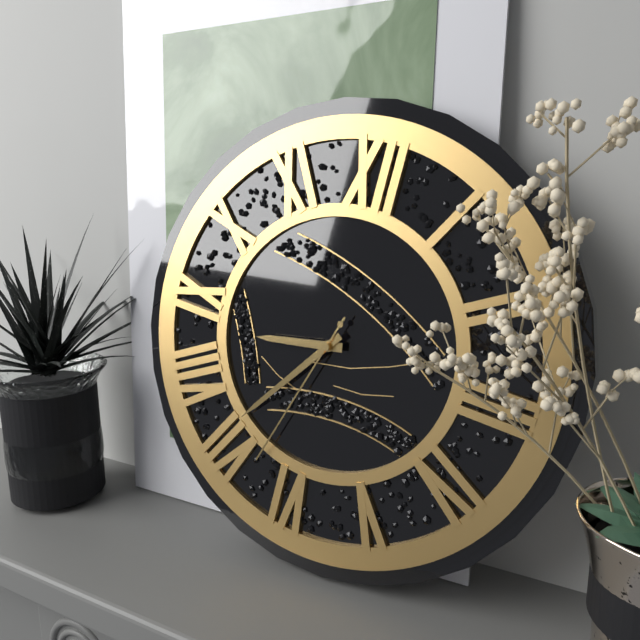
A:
h=8 m=36 s=33
